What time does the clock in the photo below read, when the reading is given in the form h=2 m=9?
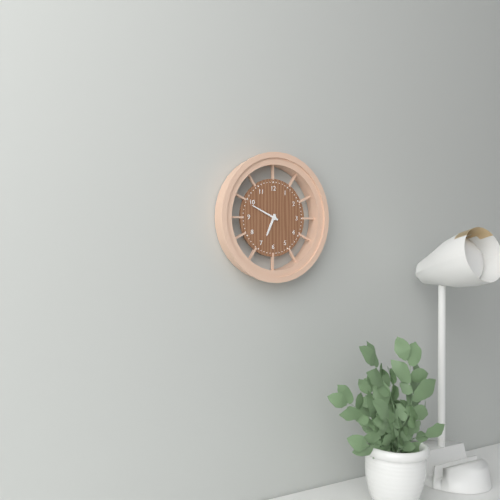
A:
h=6 m=49
